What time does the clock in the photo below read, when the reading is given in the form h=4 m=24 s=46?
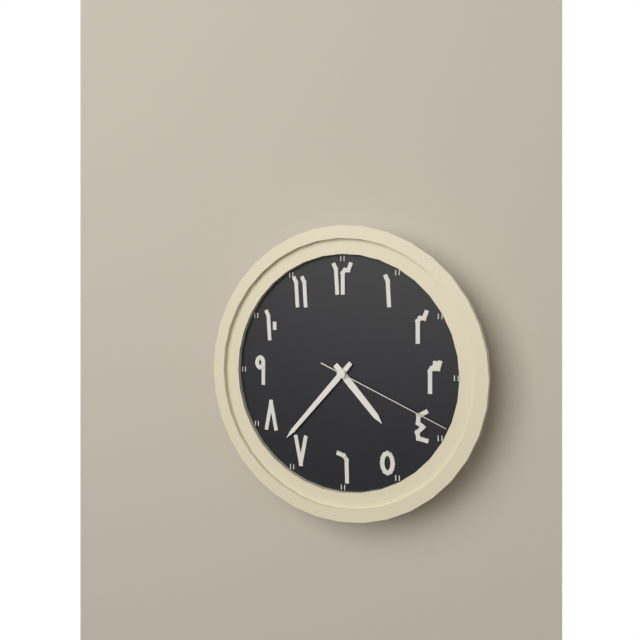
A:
h=4 m=37 s=19
